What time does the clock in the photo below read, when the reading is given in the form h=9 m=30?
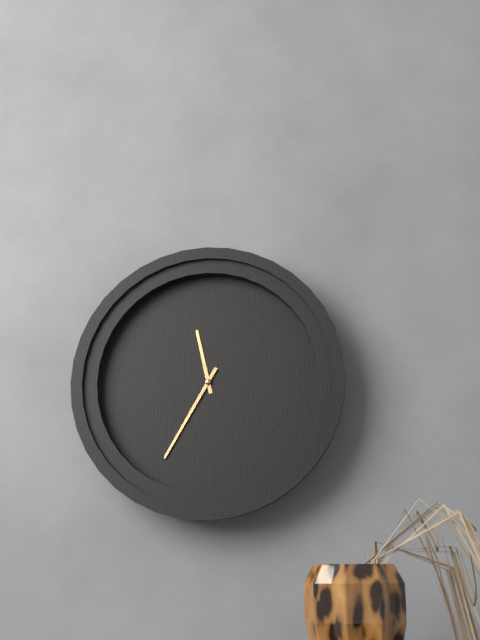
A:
h=11 m=35
